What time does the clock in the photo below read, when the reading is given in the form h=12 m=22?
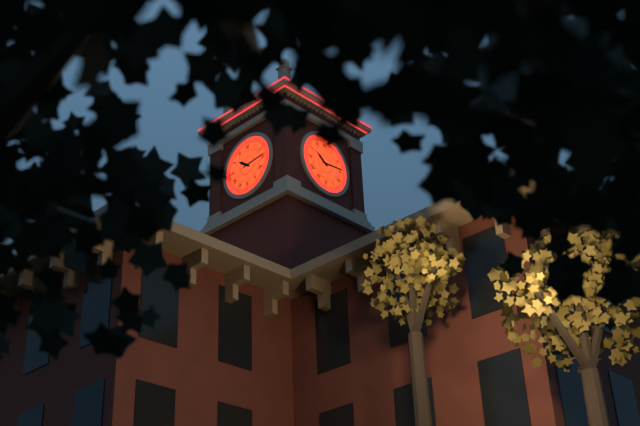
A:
h=10 m=14
